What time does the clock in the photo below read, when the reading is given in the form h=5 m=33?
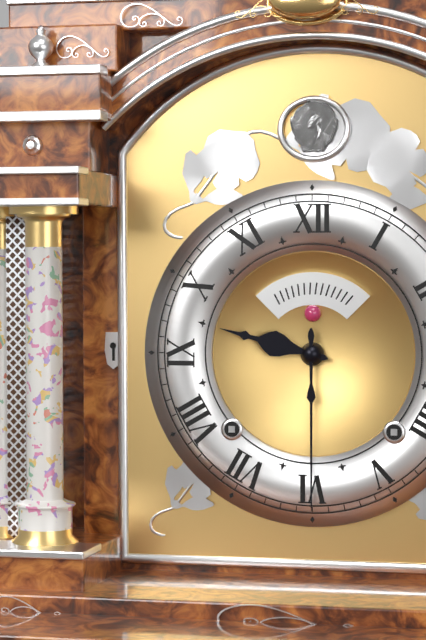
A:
h=9 m=30
